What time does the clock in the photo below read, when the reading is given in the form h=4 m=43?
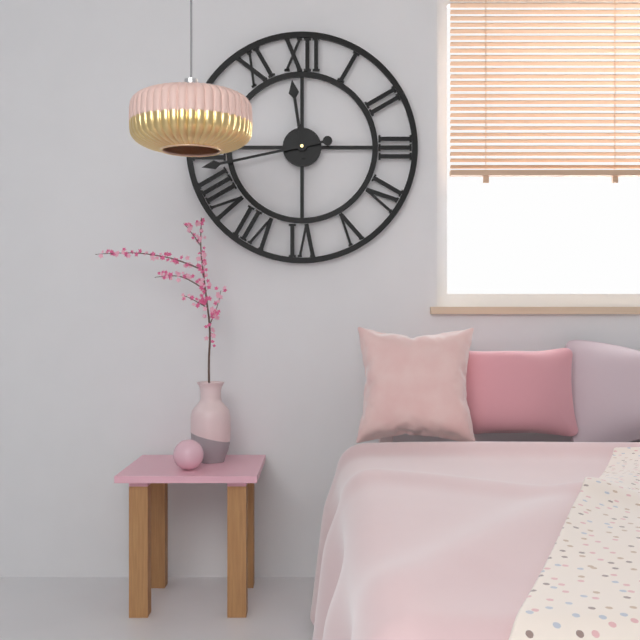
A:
h=11 m=43
